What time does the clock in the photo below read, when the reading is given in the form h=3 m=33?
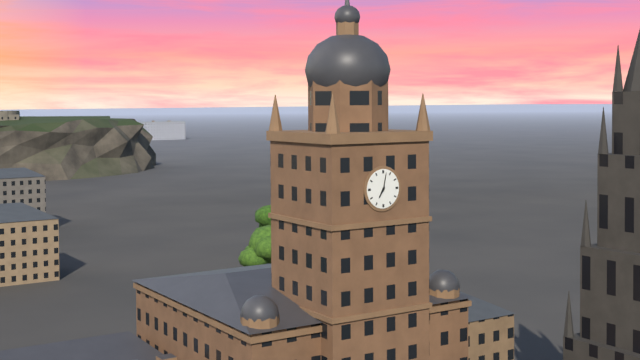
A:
h=7 m=2
